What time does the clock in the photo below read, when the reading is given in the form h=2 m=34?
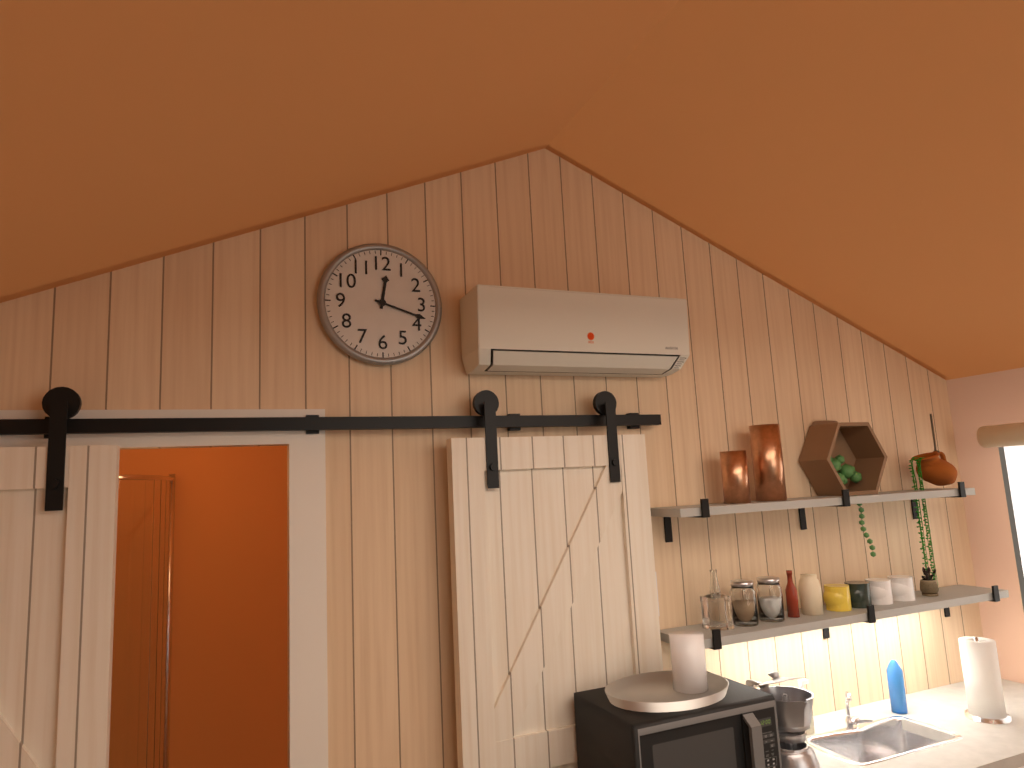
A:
h=12 m=18
